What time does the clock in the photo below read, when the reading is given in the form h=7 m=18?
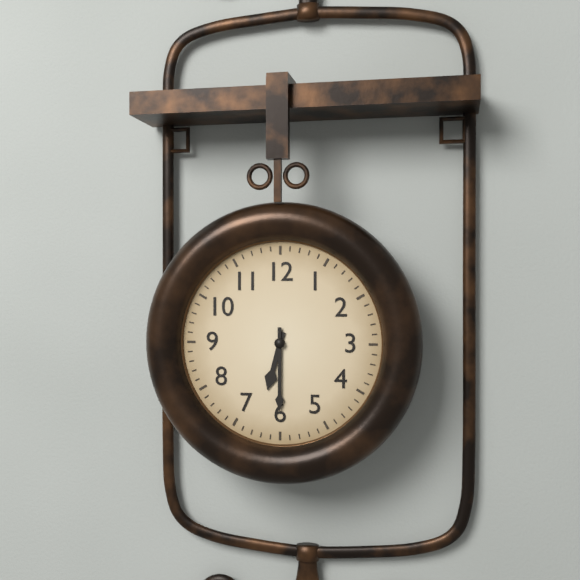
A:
h=6 m=30
